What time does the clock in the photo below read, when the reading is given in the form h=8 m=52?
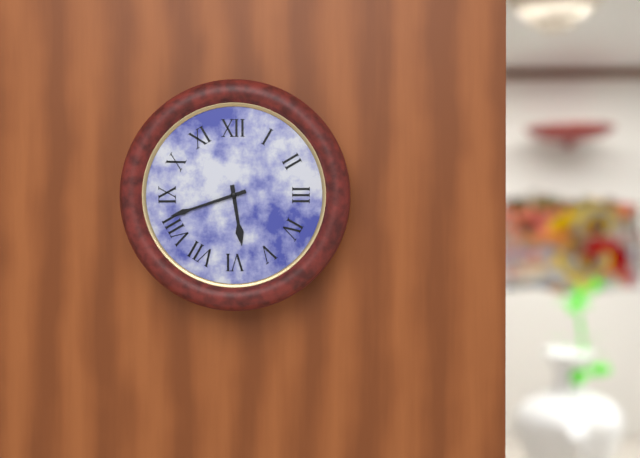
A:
h=5 m=42
